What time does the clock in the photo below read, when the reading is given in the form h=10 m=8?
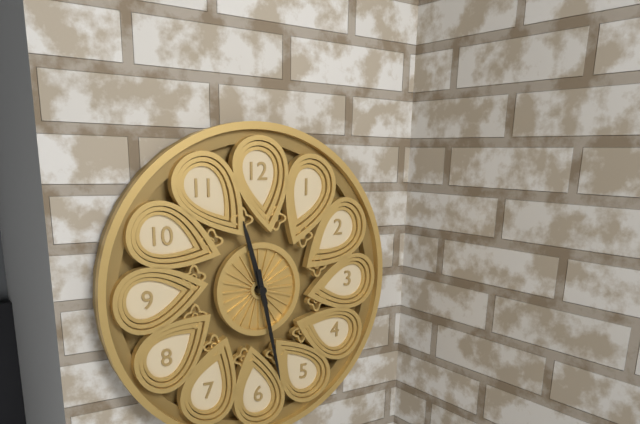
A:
h=11 m=28
